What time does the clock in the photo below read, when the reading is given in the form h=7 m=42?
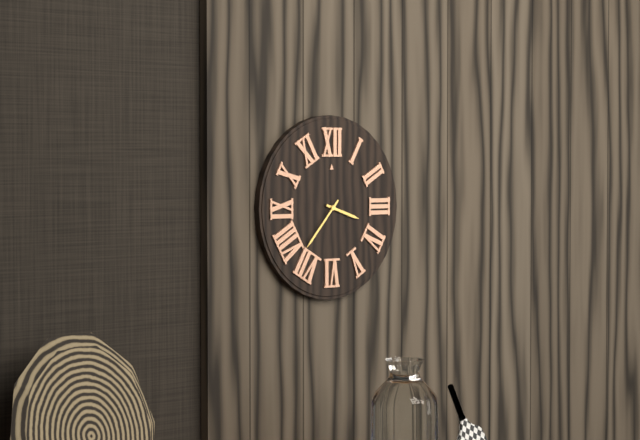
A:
h=3 m=37
